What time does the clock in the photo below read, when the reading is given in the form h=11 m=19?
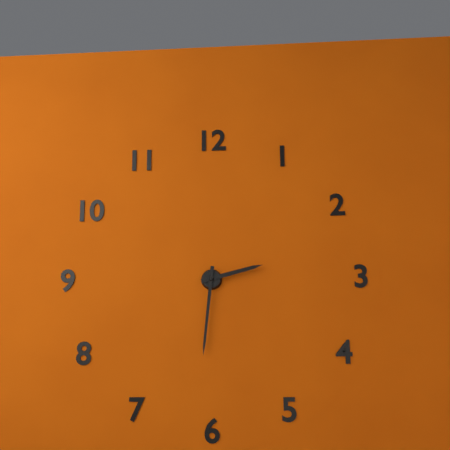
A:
h=2 m=31
